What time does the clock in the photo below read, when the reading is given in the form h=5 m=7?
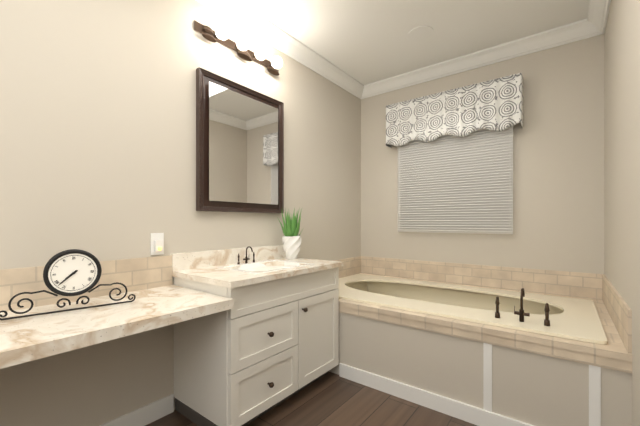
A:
h=7 m=38
